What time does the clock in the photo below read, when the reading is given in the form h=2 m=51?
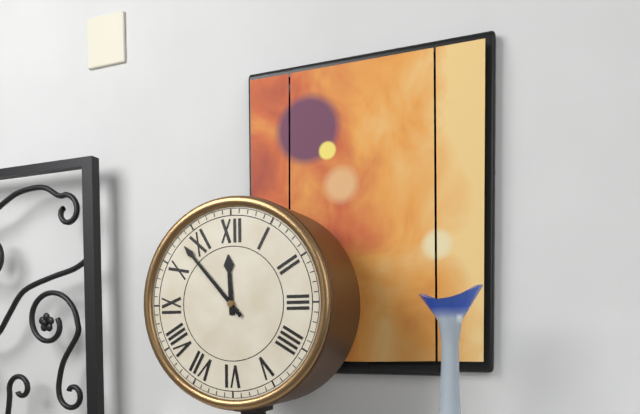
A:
h=11 m=53
